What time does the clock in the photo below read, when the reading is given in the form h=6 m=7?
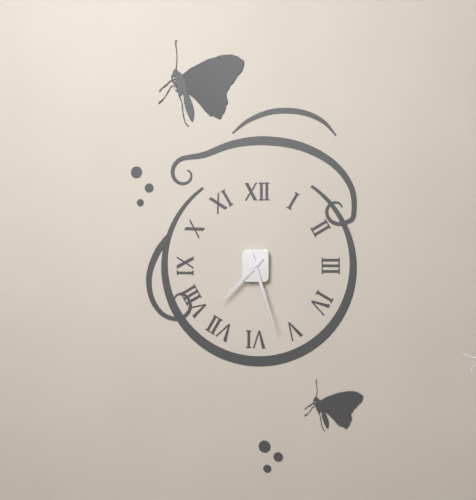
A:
h=7 m=27
